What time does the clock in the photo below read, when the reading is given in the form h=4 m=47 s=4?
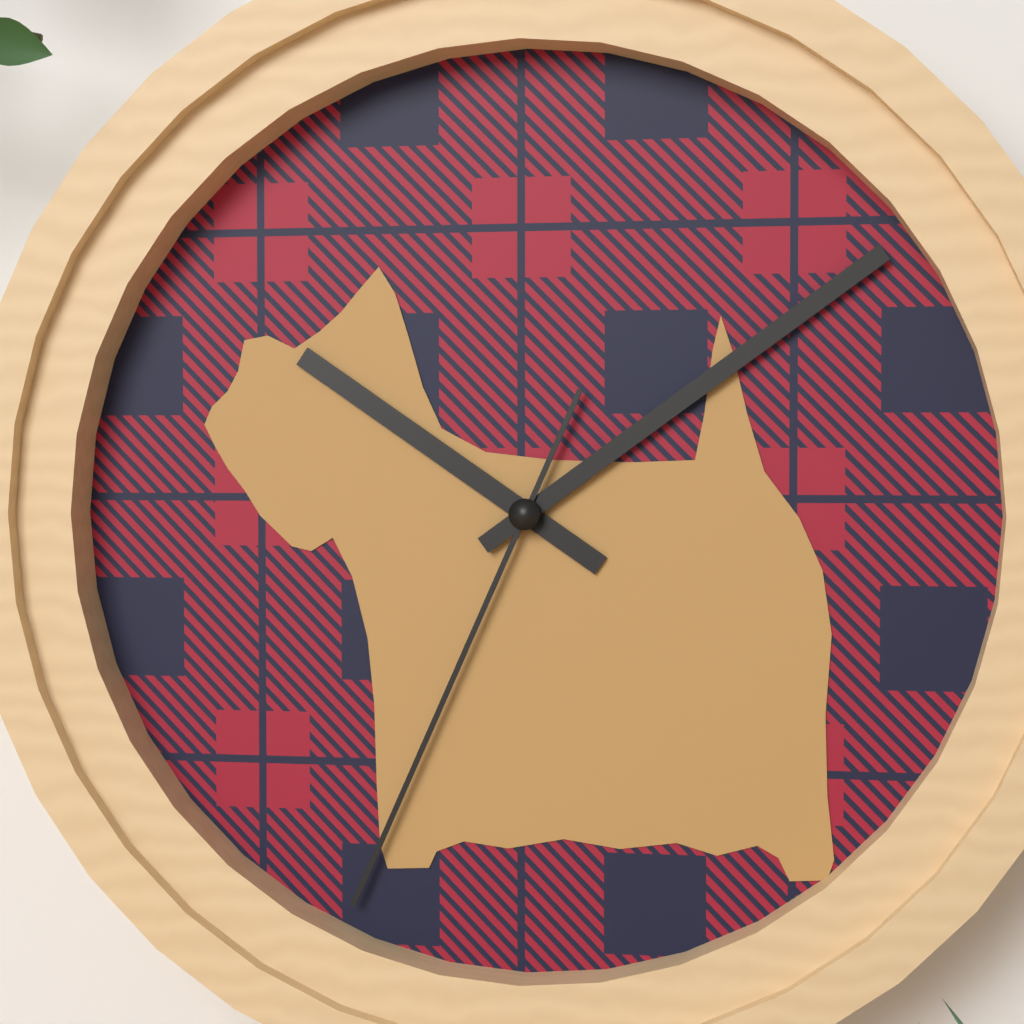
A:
h=10 m=9 s=34
